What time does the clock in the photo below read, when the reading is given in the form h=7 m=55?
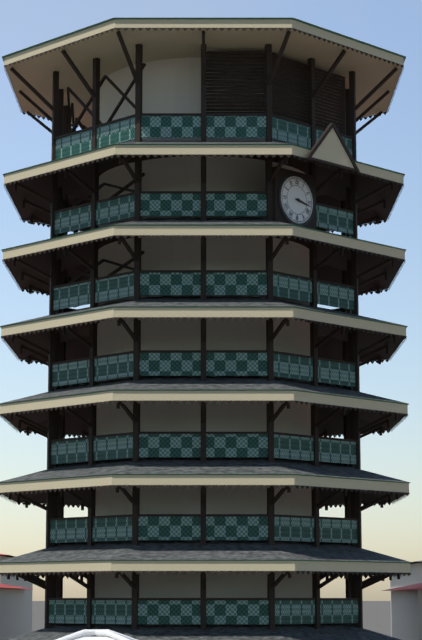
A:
h=3 m=17
